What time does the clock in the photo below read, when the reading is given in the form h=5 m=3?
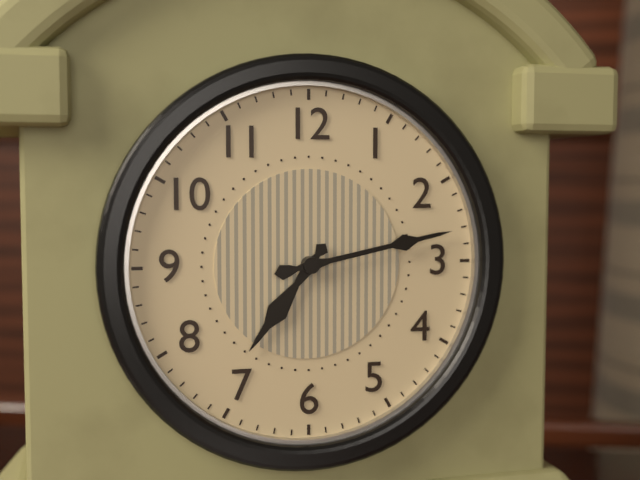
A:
h=7 m=13
